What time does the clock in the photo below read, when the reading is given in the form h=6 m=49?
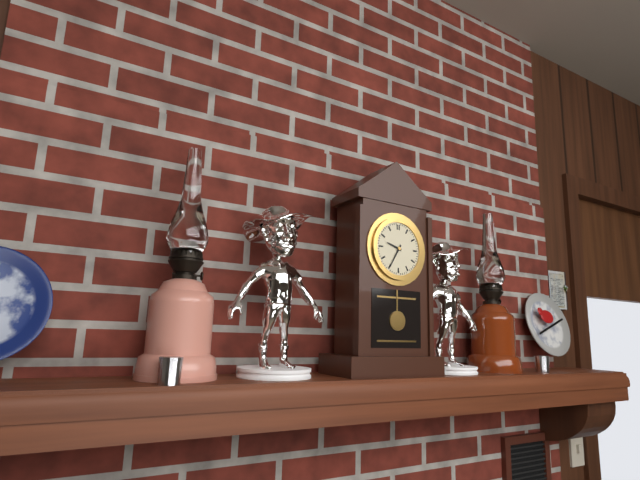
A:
h=9 m=35
